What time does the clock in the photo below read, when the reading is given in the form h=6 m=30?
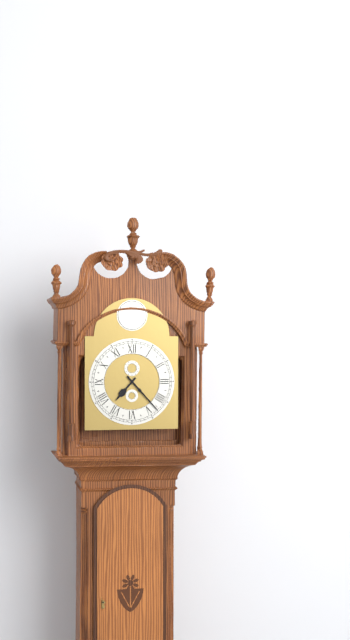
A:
h=7 m=23
